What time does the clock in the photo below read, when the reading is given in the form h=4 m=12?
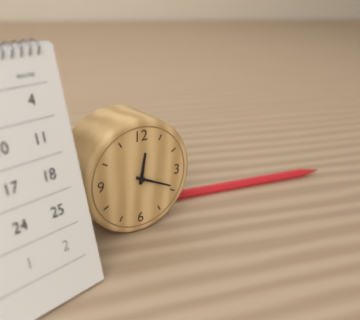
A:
h=12 m=19
